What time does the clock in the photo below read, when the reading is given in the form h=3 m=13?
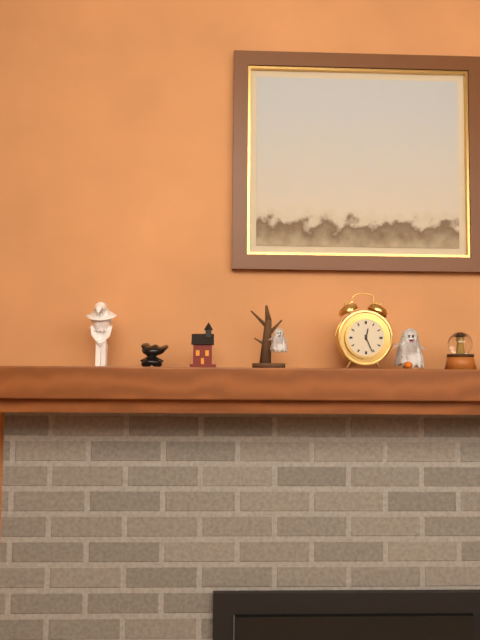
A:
h=12 m=26
